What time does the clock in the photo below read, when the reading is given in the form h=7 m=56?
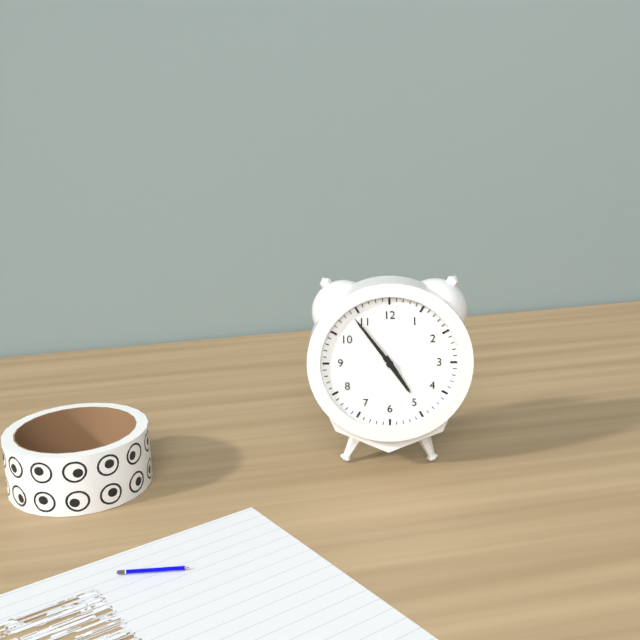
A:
h=4 m=54
